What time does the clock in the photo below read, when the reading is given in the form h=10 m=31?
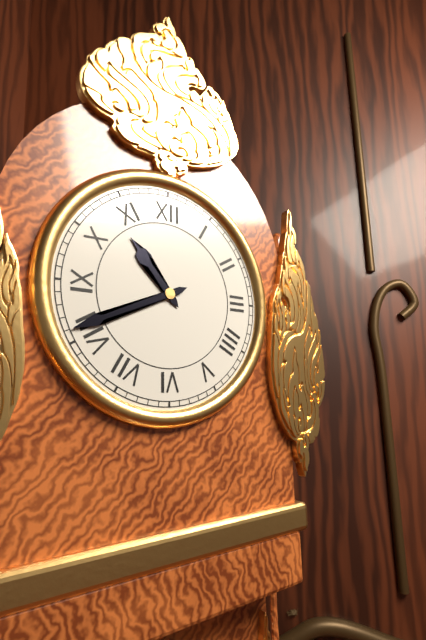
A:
h=10 m=41
